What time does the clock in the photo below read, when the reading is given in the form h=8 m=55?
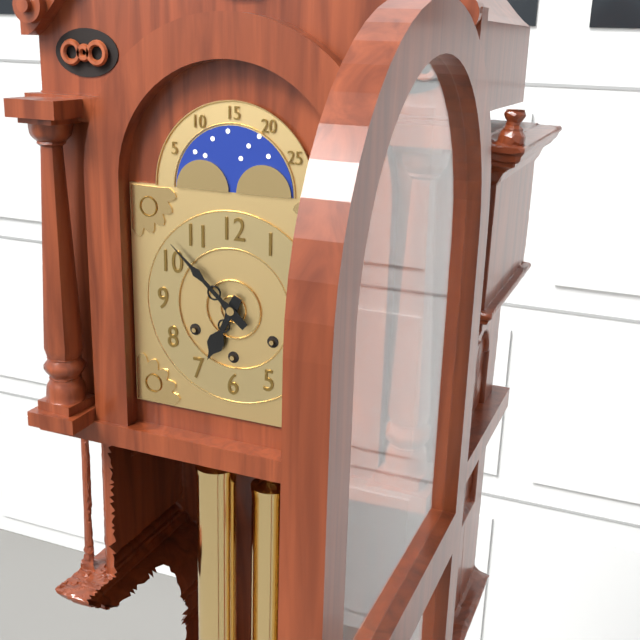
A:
h=6 m=52
